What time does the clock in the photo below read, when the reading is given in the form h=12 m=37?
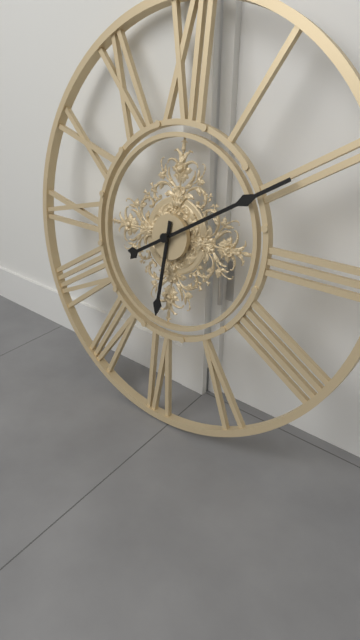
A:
h=6 m=10
